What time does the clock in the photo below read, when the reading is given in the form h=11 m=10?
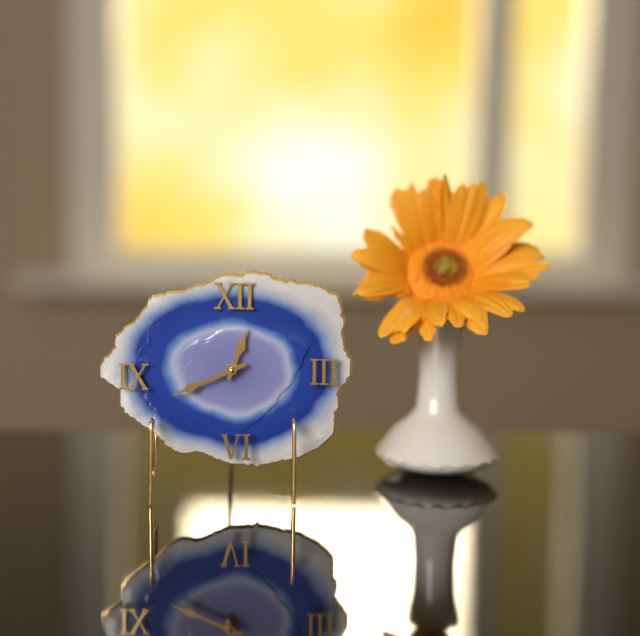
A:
h=12 m=41
